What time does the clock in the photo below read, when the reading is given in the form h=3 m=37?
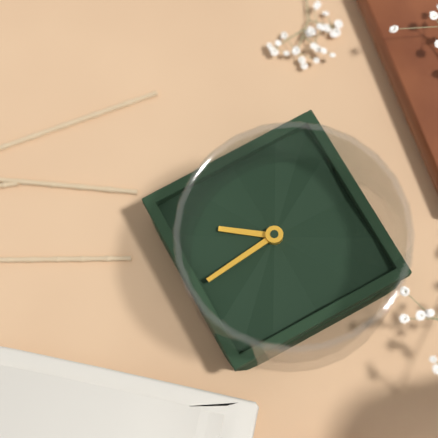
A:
h=4 m=14
